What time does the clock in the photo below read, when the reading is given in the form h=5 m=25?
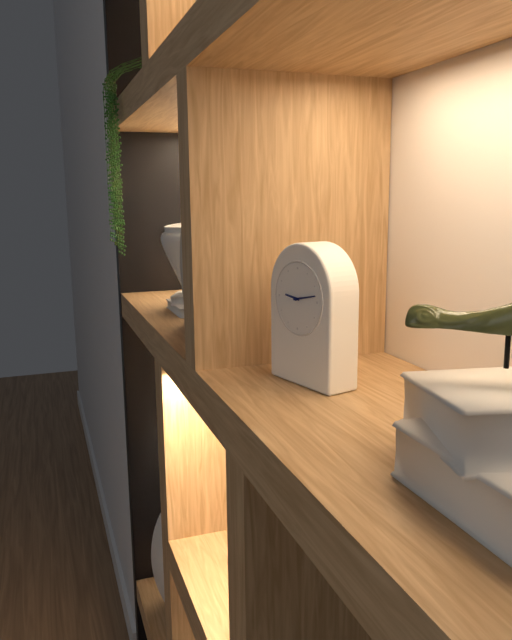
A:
h=9 m=13
